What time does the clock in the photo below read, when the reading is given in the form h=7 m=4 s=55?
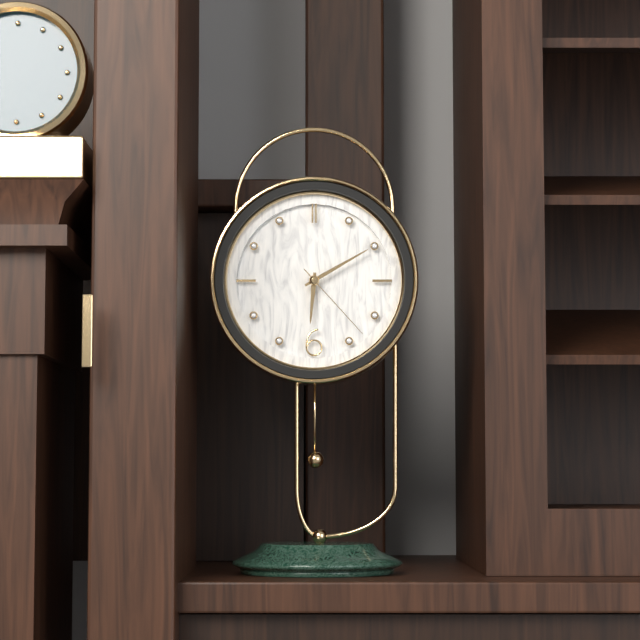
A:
h=6 m=10 s=23
